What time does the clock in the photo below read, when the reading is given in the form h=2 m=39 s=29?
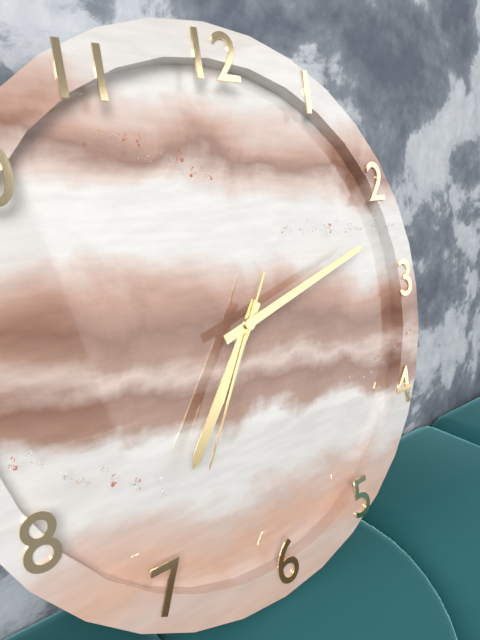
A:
h=7 m=12 s=35
